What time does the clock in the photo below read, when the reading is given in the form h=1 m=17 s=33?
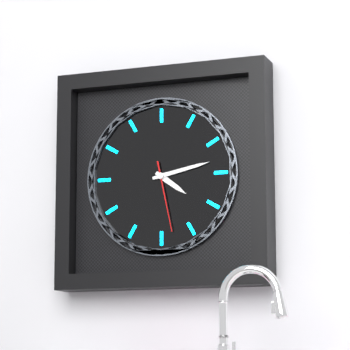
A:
h=4 m=13 s=28
